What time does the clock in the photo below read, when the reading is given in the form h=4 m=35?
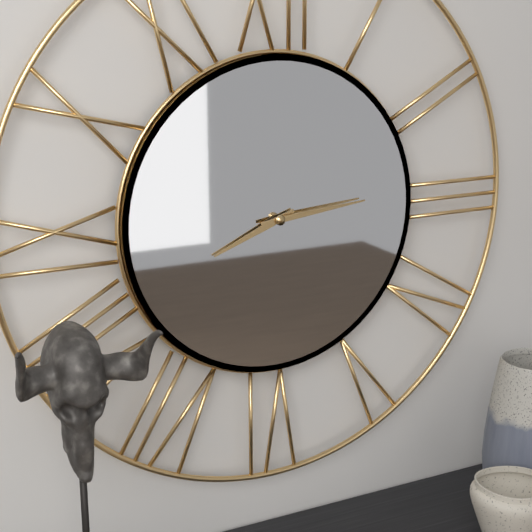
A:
h=8 m=14
